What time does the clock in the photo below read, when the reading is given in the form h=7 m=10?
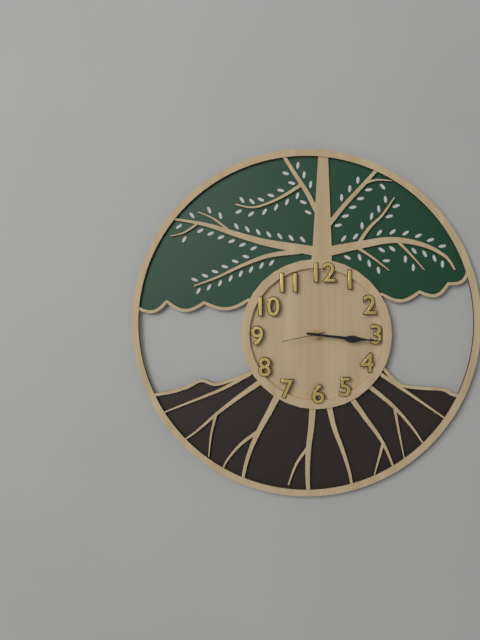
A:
h=3 m=16
